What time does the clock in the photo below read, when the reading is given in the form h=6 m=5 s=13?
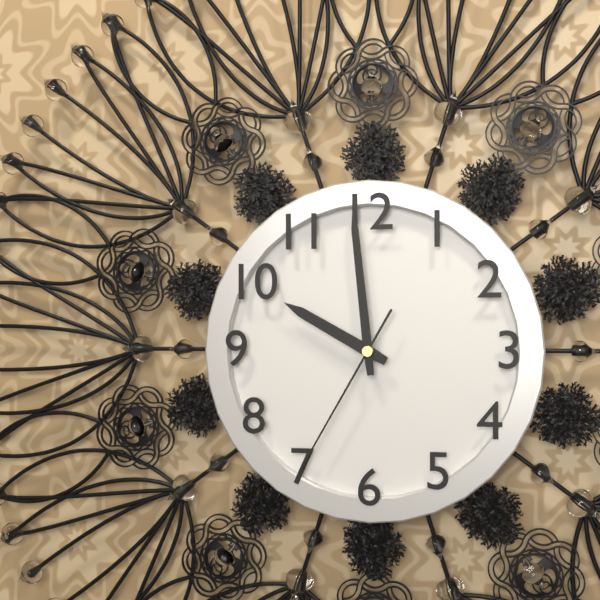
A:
h=9 m=59 s=35
